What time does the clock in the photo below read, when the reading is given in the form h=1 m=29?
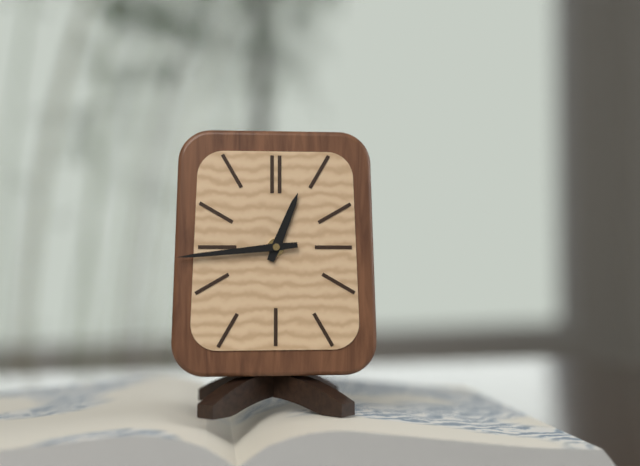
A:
h=12 m=44
